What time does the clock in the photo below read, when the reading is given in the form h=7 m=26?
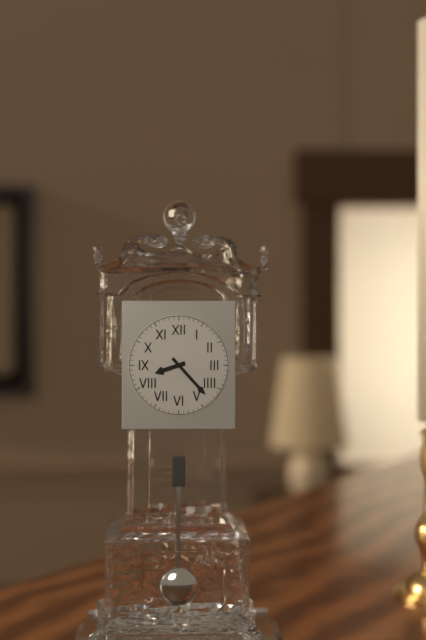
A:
h=8 m=23
